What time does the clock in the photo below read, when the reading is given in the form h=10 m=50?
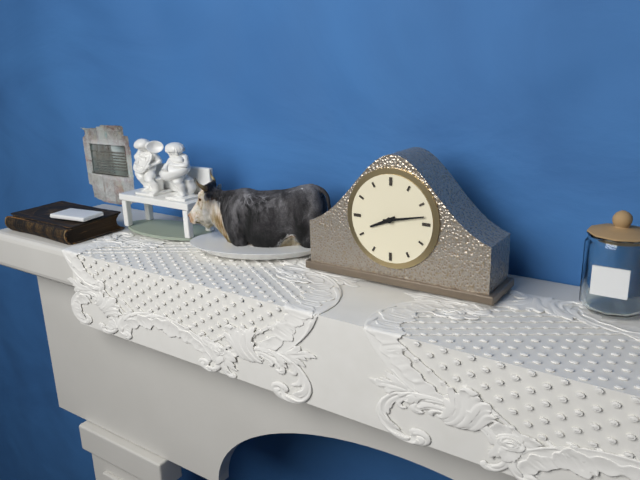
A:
h=8 m=13
